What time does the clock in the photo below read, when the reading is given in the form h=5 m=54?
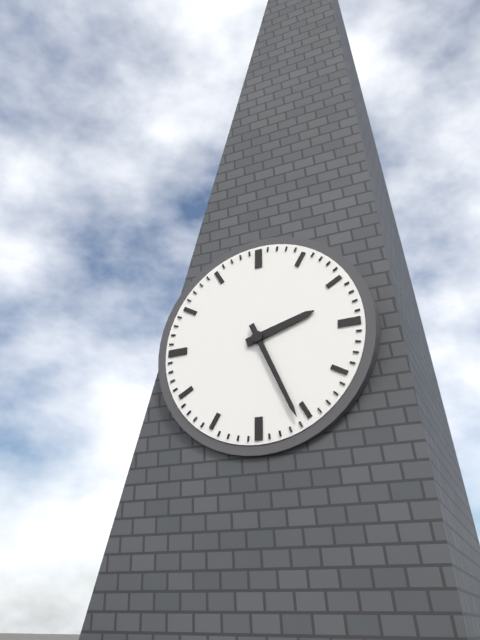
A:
h=2 m=26
